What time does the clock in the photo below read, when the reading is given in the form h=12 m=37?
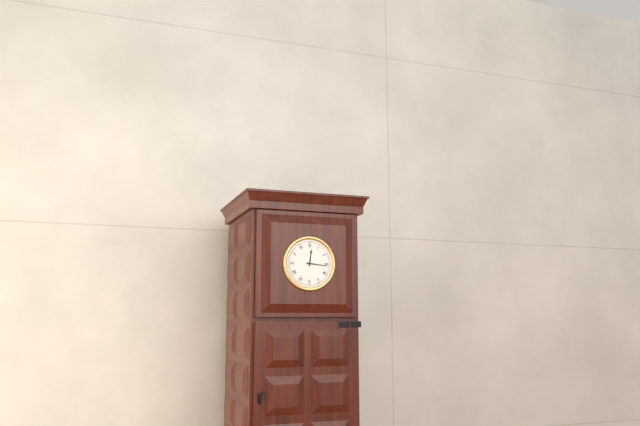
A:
h=12 m=16
